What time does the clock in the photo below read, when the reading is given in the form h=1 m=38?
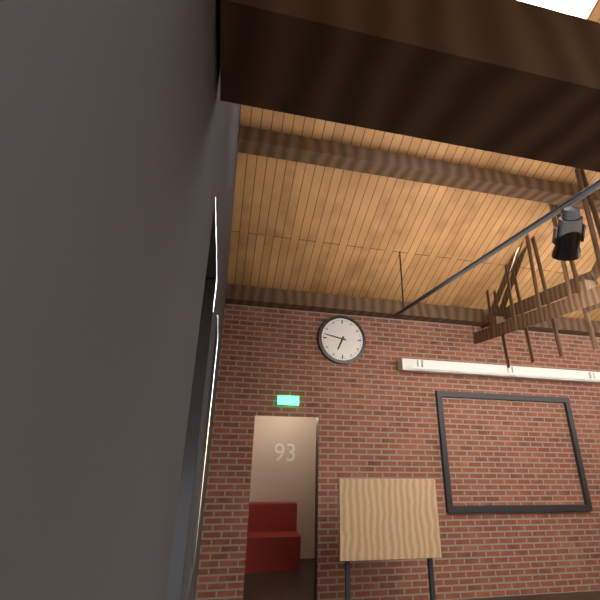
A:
h=6 m=47
